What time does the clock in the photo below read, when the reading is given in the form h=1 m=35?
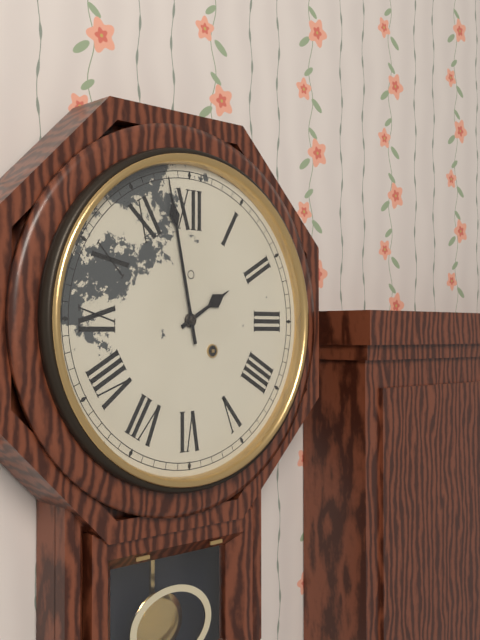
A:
h=1 m=58
